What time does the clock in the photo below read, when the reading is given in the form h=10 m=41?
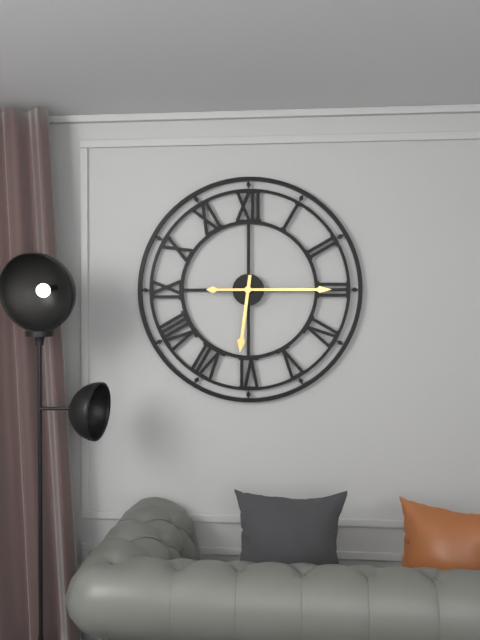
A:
h=6 m=15
